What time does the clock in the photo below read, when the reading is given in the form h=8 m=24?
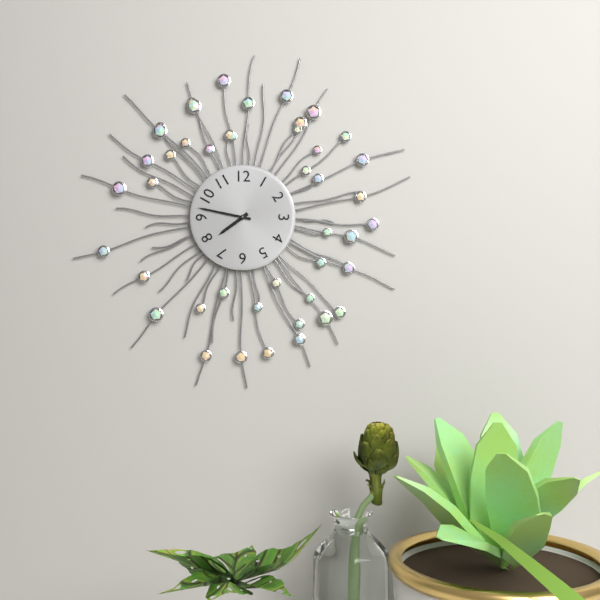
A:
h=7 m=47
